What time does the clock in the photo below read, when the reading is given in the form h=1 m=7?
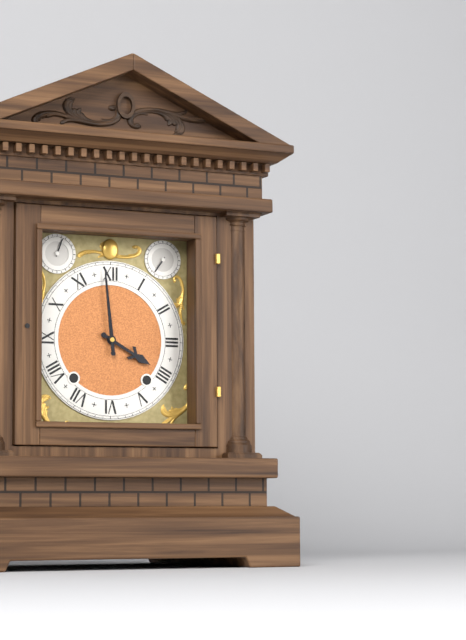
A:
h=3 m=59
